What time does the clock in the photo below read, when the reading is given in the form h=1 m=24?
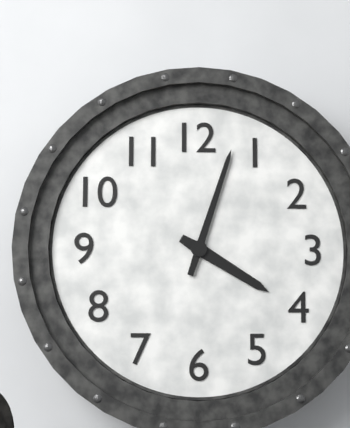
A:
h=4 m=3
